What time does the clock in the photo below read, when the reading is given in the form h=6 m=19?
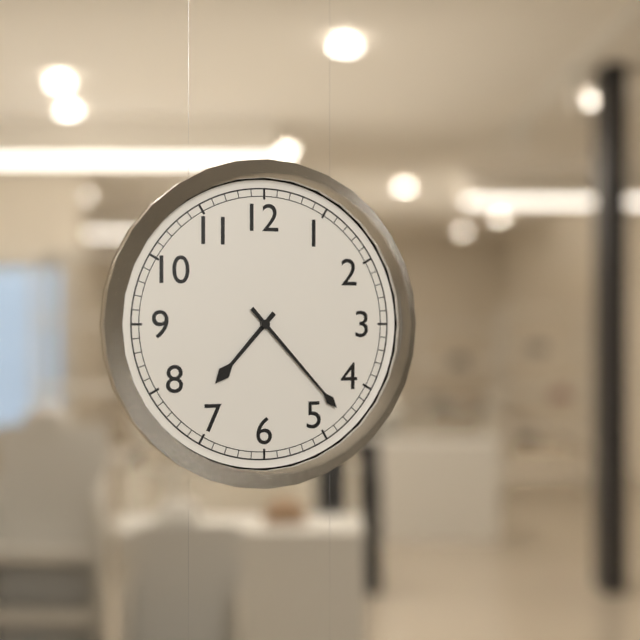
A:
h=7 m=23
